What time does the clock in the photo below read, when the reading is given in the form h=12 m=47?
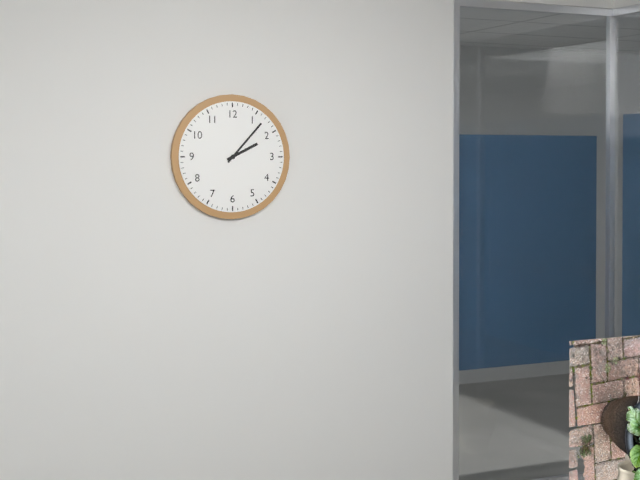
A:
h=2 m=7
